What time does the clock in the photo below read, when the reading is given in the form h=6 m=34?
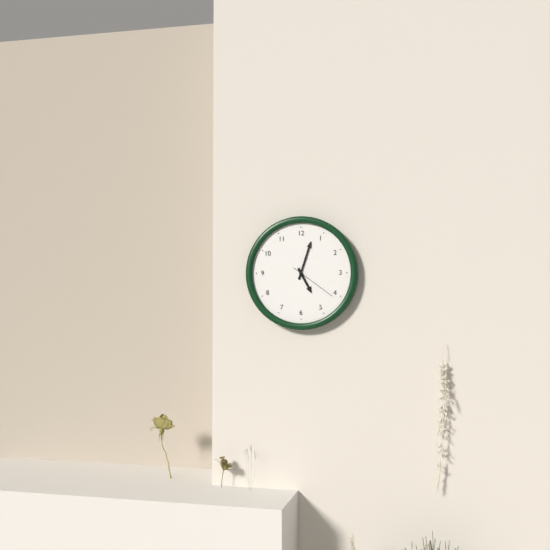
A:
h=5 m=3
